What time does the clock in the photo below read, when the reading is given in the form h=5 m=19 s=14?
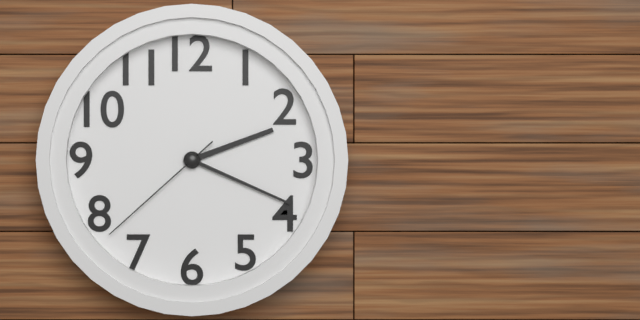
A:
h=2 m=19 s=38
